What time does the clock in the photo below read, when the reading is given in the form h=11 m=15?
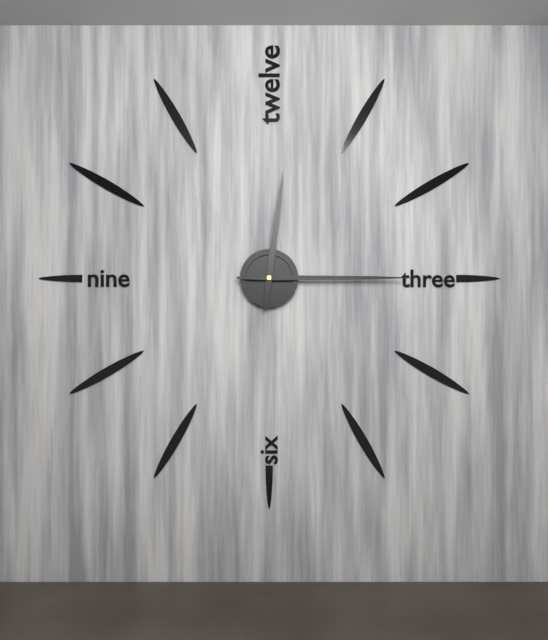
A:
h=12 m=15
